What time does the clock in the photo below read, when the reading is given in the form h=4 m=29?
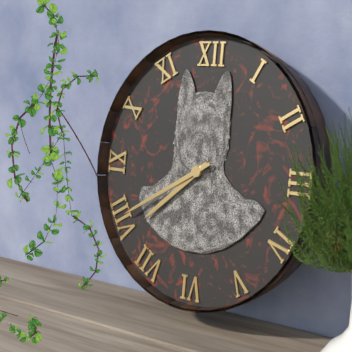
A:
h=7 m=40
